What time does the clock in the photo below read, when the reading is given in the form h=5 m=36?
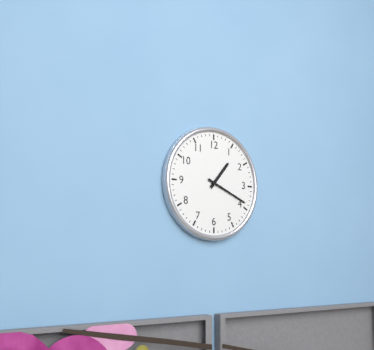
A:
h=1 m=19
